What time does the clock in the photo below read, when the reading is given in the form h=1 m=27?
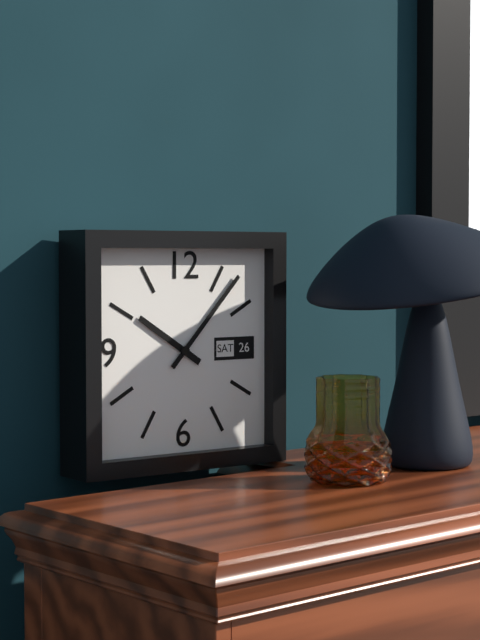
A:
h=10 m=7
